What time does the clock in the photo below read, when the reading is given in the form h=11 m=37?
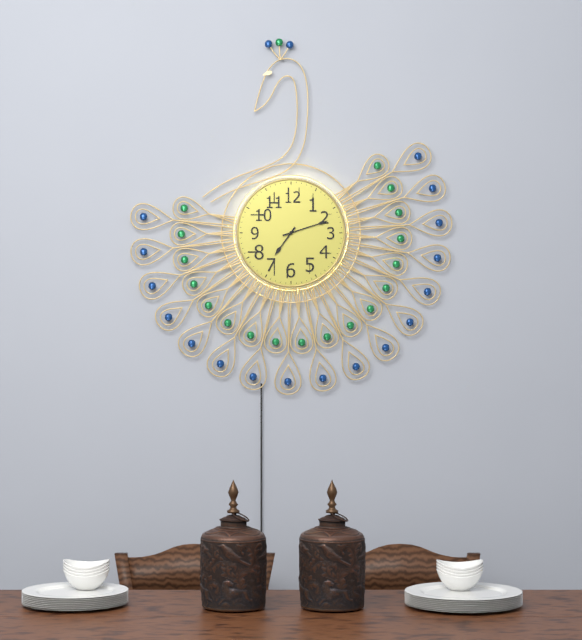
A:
h=7 m=12
